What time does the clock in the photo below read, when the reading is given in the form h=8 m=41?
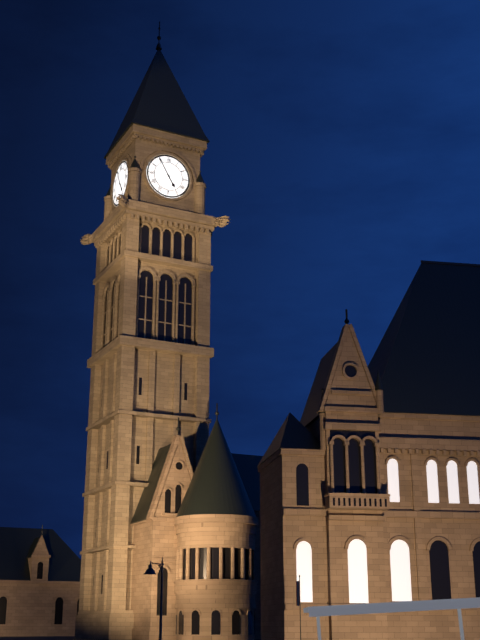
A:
h=4 m=55
